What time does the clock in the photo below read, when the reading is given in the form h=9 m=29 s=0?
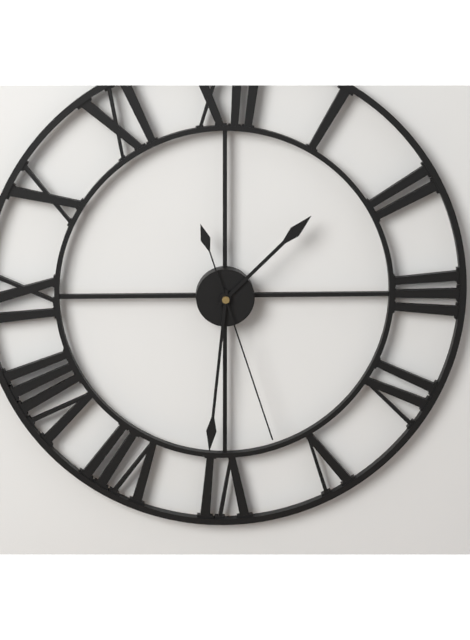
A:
h=1 m=31 s=27
